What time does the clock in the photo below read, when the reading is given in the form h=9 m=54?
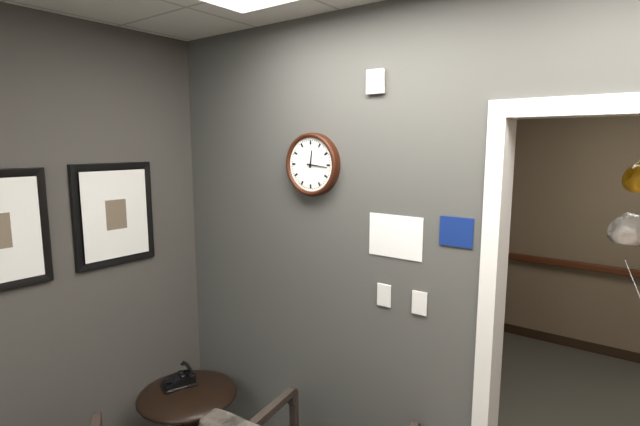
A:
h=12 m=16
